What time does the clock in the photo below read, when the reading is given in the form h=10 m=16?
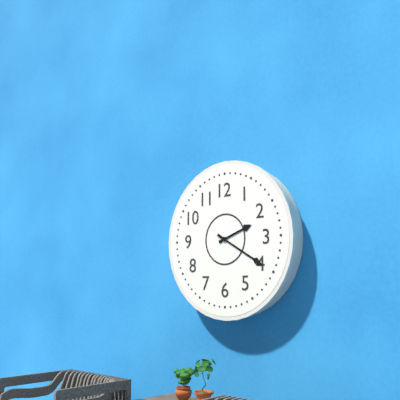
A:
h=2 m=20
